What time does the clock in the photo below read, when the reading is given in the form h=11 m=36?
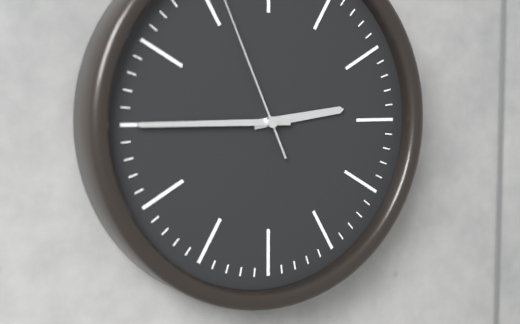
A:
h=2 m=45
